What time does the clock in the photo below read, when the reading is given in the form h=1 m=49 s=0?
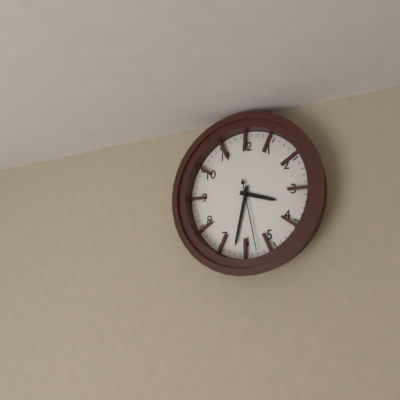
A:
h=3 m=32 s=28
